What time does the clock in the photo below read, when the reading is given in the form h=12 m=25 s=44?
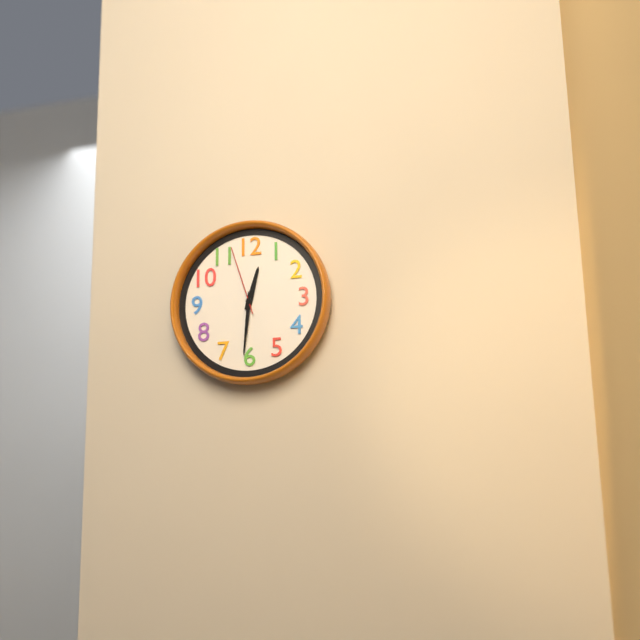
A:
h=12 m=31 s=57
